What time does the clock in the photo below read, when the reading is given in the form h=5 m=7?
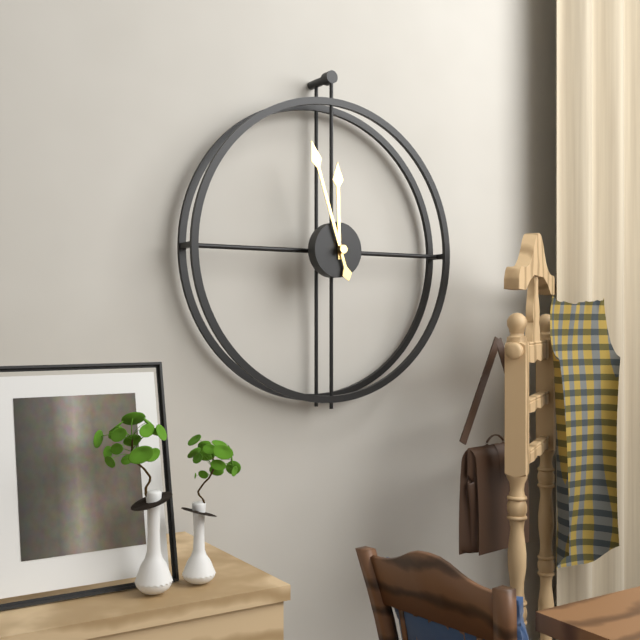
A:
h=11 m=57
